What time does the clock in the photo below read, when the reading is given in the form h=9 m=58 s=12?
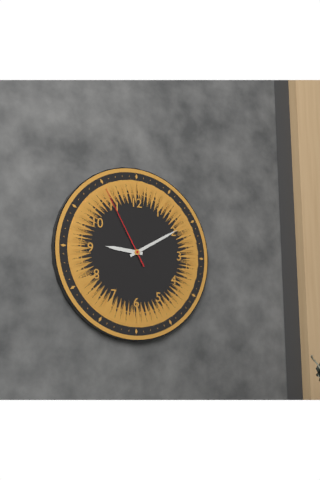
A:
h=9 m=10 s=55
